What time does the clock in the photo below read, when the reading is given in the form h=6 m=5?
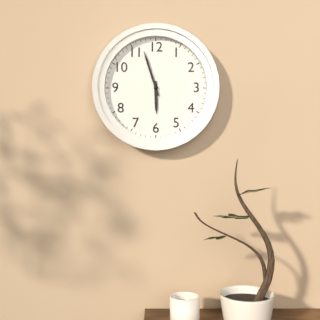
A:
h=5 m=57
